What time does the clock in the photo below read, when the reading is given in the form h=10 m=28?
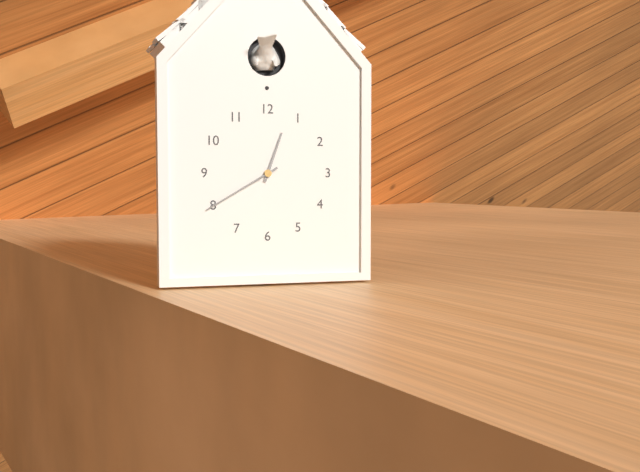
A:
h=12 m=40
